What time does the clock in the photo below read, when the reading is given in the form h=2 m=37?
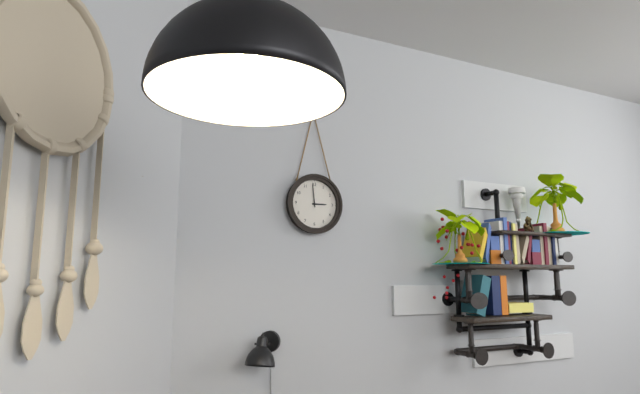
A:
h=2 m=59
